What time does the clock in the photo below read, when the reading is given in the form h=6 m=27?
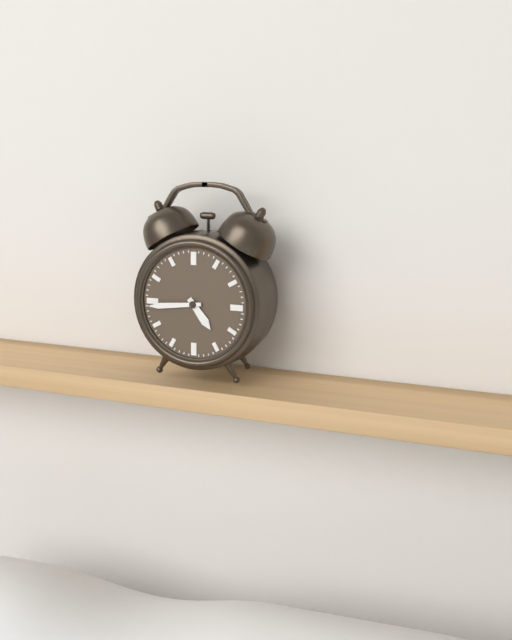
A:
h=4 m=44
